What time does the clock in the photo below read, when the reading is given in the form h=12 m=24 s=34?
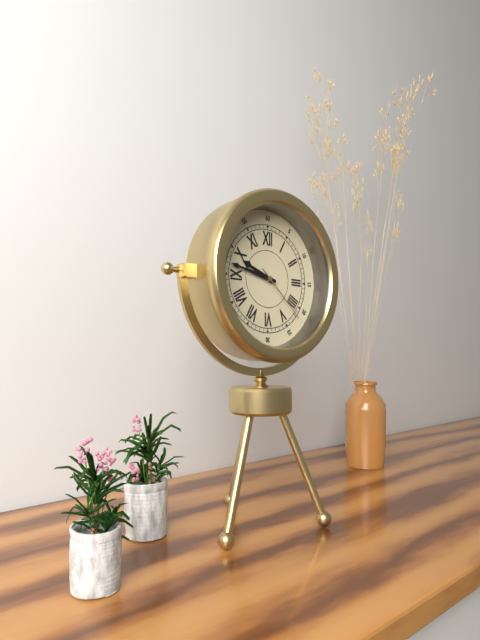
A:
h=9 m=47 s=22
